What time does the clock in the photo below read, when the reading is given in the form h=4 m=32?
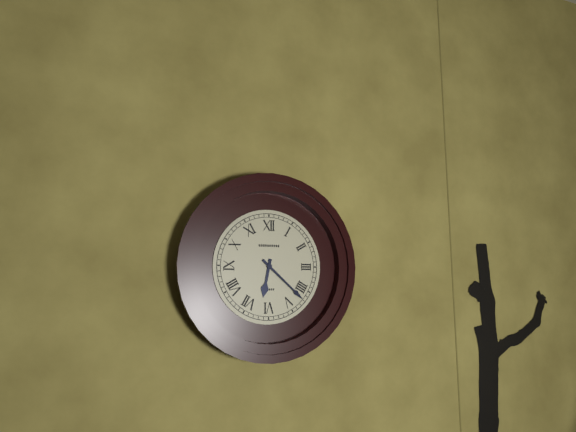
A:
h=6 m=22
